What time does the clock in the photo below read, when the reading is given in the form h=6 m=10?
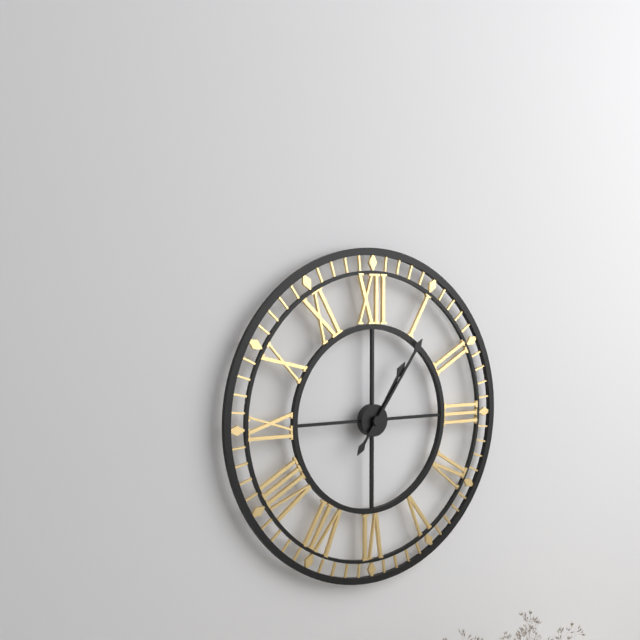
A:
h=1 m=6
